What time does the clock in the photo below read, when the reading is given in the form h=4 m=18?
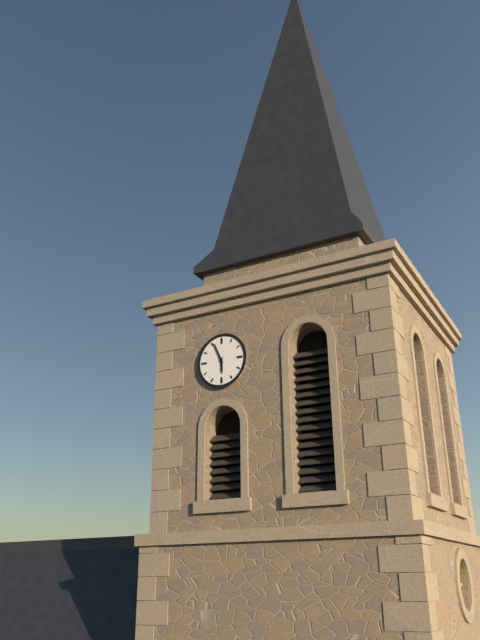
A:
h=5 m=56
